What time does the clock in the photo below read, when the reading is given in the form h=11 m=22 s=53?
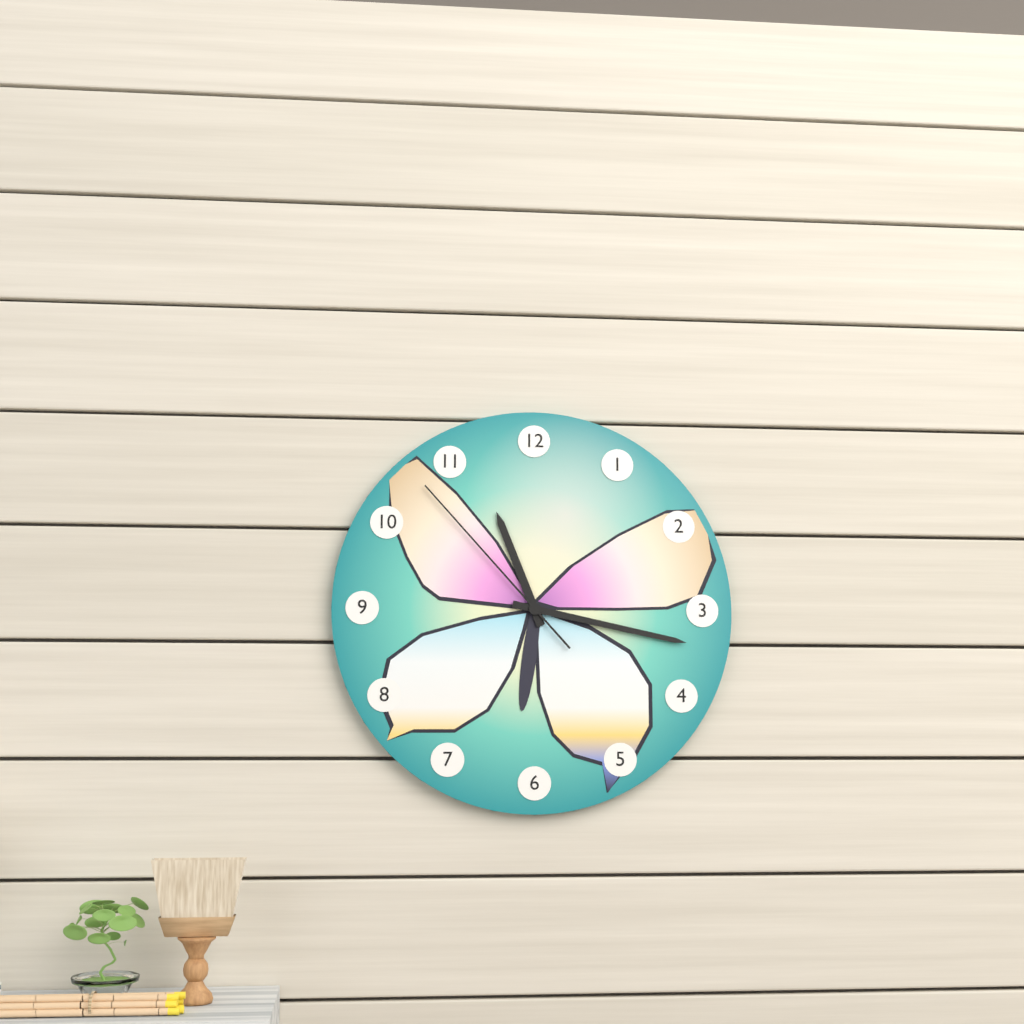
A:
h=11 m=17 s=53
